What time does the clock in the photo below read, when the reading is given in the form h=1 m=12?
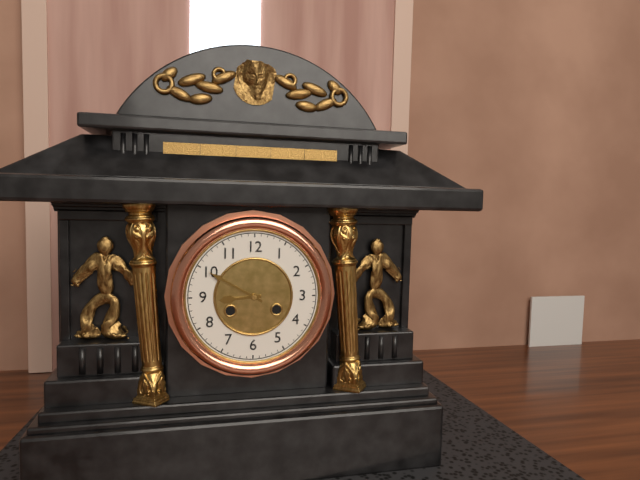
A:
h=8 m=50
